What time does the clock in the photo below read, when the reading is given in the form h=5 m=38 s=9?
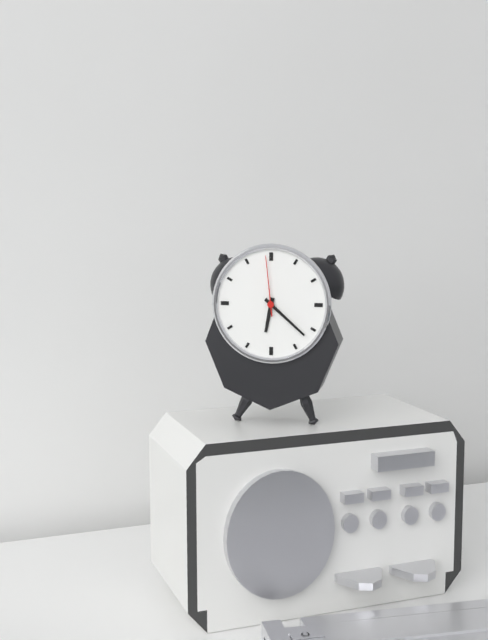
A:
h=6 m=22 s=59
